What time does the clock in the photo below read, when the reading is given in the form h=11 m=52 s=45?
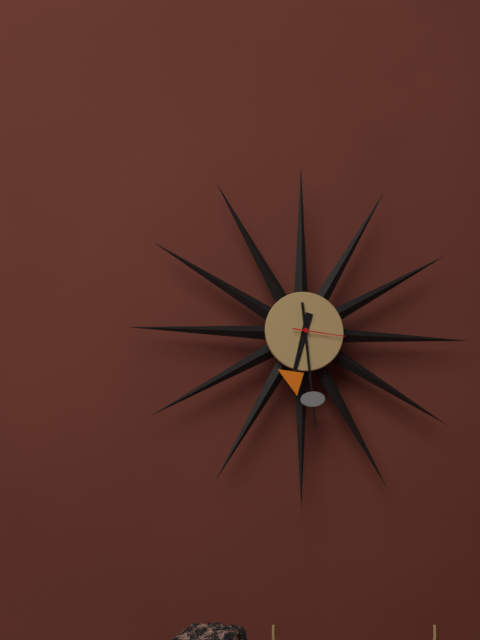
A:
h=6 m=29 s=16
